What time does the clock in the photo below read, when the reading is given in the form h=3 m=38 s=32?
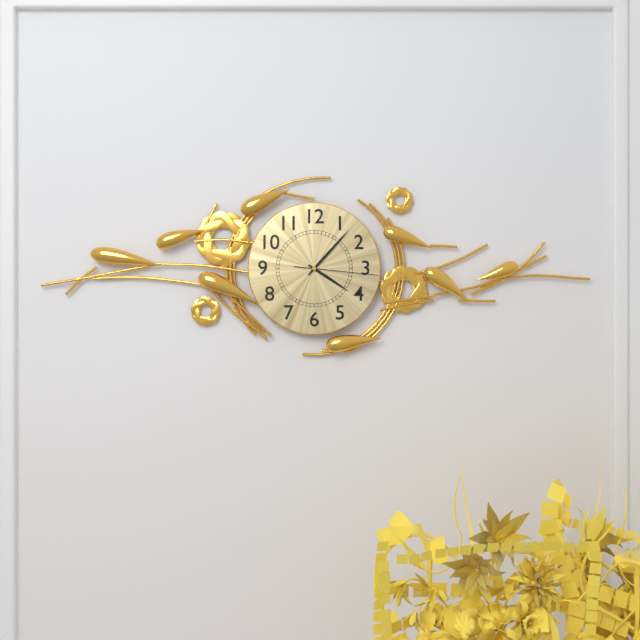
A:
h=4 m=7 s=16
